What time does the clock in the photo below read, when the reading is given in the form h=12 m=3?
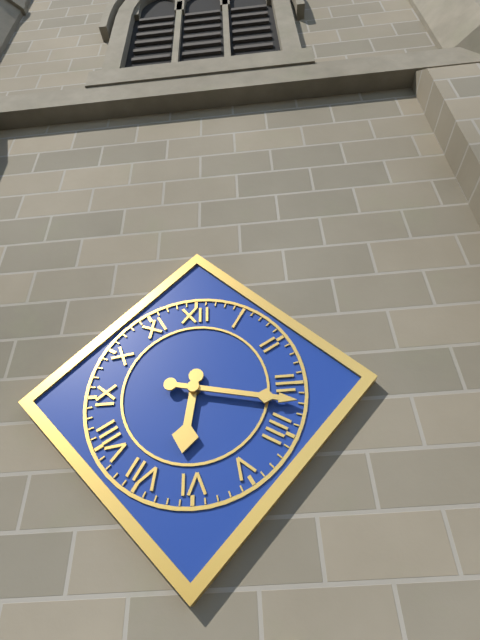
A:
h=6 m=17
